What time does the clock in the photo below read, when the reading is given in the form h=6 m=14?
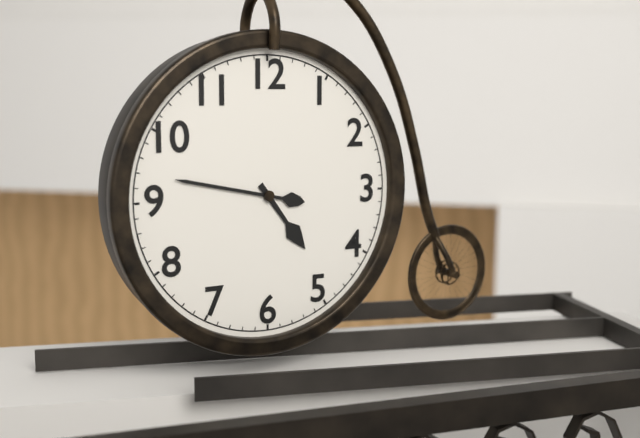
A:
h=4 m=47
